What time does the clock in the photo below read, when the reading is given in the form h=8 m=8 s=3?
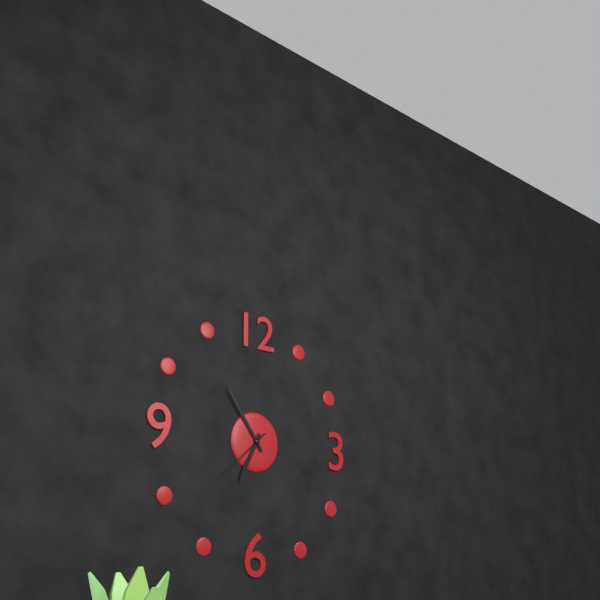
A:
h=6 m=54 s=38
